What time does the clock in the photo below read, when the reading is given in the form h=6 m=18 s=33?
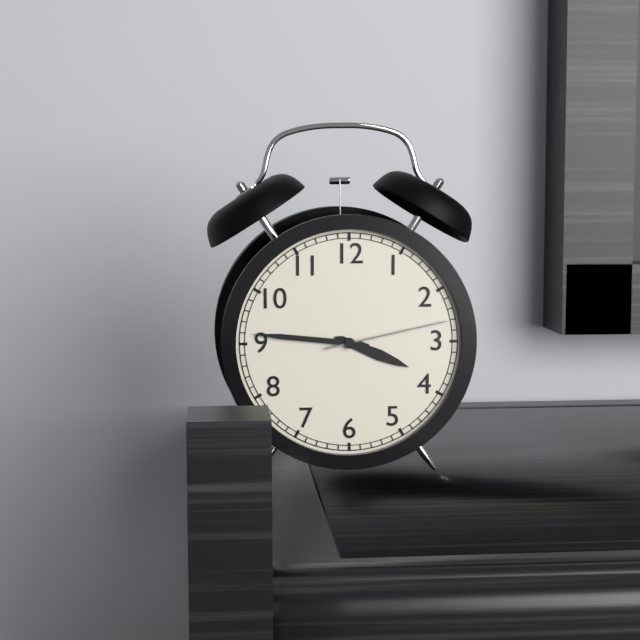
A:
h=3 m=46 s=13
